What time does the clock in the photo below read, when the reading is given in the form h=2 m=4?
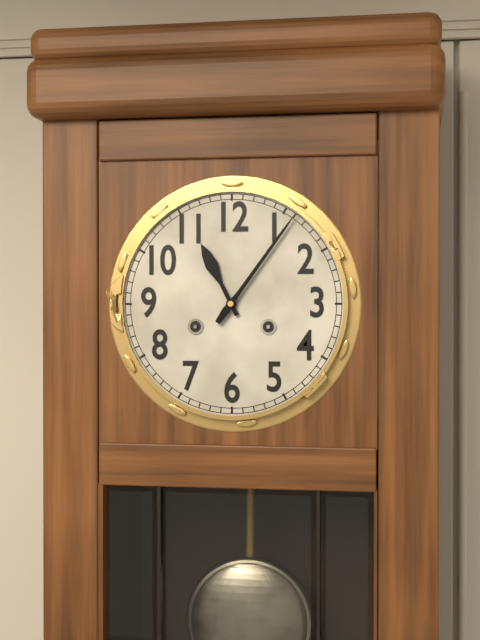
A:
h=11 m=6
